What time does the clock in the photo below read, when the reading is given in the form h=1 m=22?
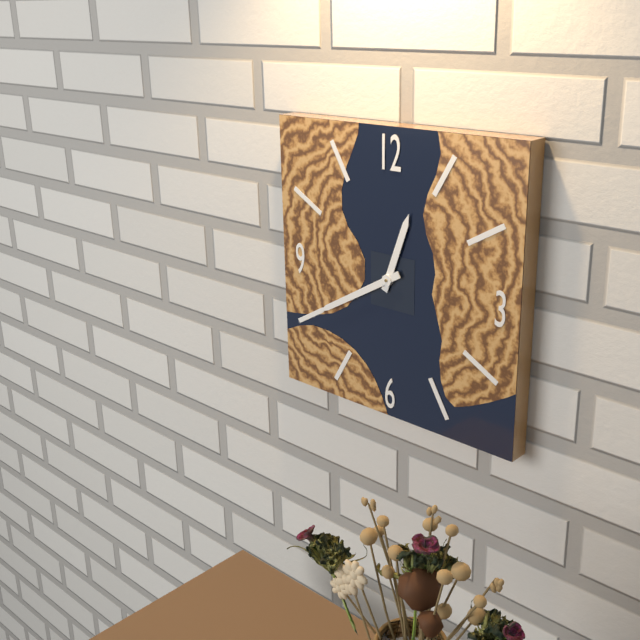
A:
h=12 m=40
